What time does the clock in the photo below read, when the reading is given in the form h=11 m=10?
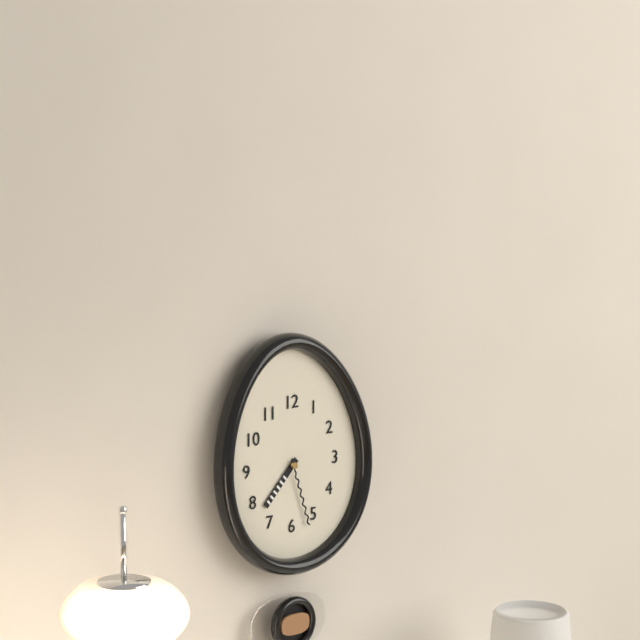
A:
h=7 m=27
